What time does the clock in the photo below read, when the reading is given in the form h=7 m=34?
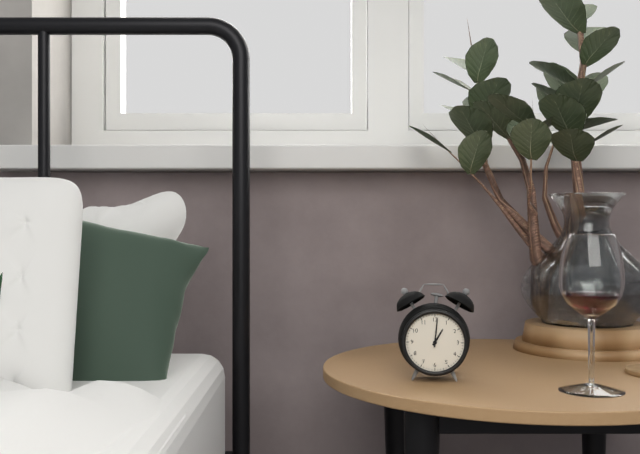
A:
h=1 m=1
